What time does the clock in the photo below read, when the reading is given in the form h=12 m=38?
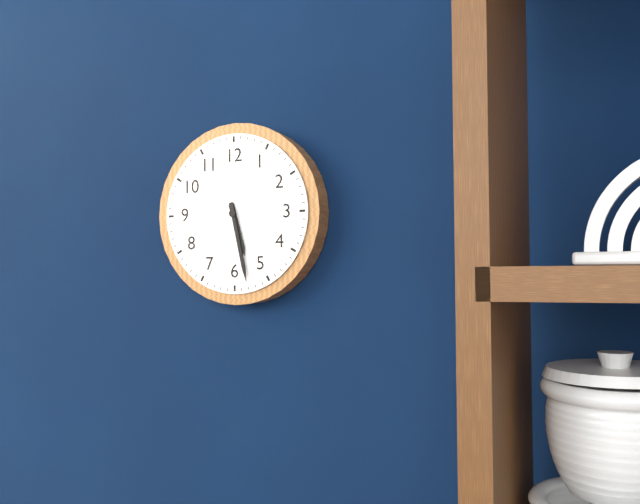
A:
h=5 m=28
